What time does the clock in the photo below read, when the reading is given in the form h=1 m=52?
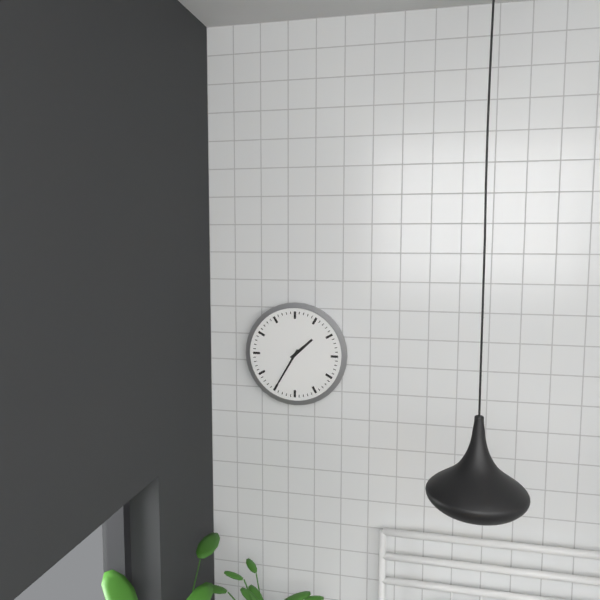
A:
h=1 m=35
